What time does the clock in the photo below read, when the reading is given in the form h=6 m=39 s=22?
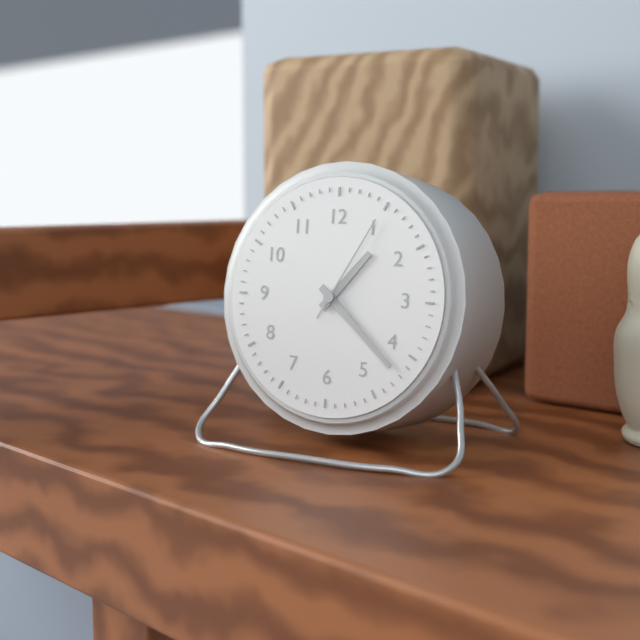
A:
h=1 m=22 s=5
